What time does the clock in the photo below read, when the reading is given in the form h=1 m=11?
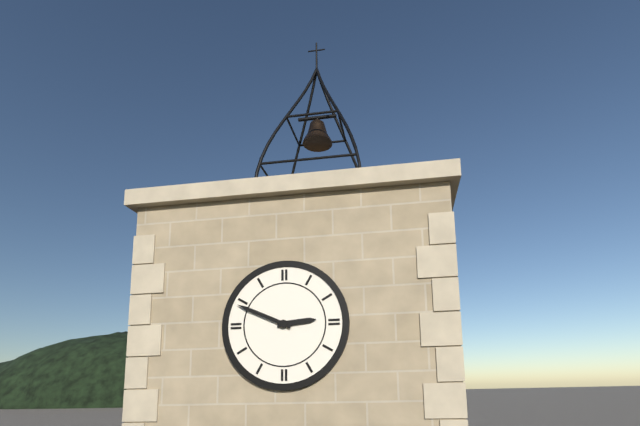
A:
h=2 m=49
